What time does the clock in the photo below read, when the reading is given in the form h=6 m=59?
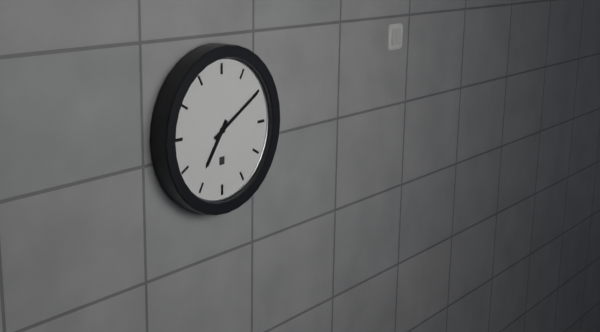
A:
h=7 m=10
